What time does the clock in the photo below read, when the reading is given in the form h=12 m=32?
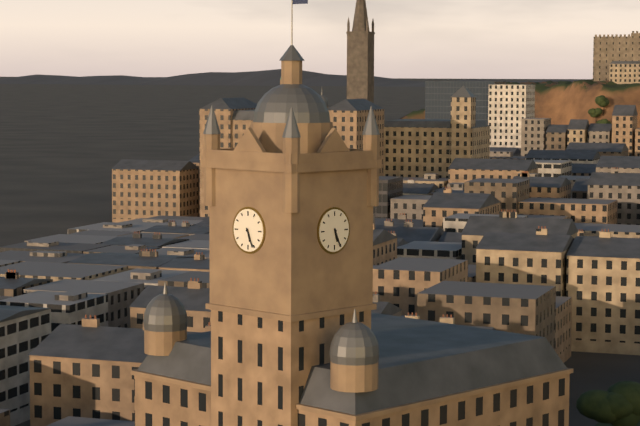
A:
h=5 m=26
